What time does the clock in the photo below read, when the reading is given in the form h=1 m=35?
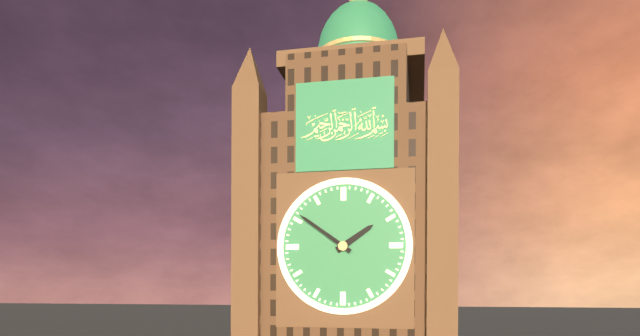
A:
h=1 m=51
